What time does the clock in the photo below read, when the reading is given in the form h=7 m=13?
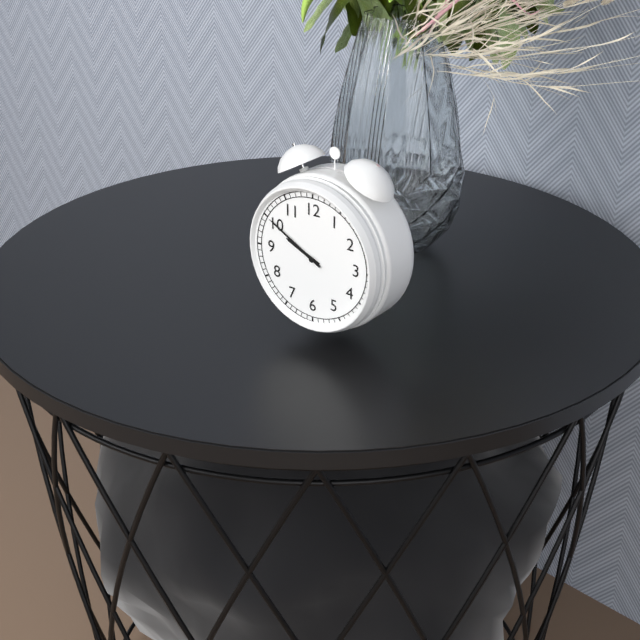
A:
h=9 m=50
